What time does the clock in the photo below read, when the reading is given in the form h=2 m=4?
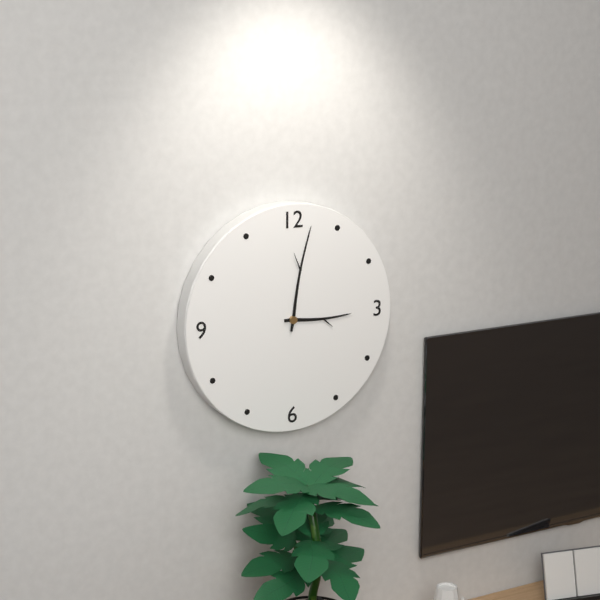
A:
h=3 m=2
